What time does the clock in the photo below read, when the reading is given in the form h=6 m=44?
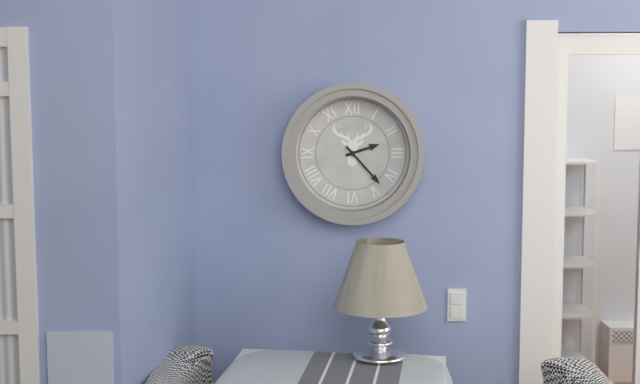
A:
h=2 m=23
